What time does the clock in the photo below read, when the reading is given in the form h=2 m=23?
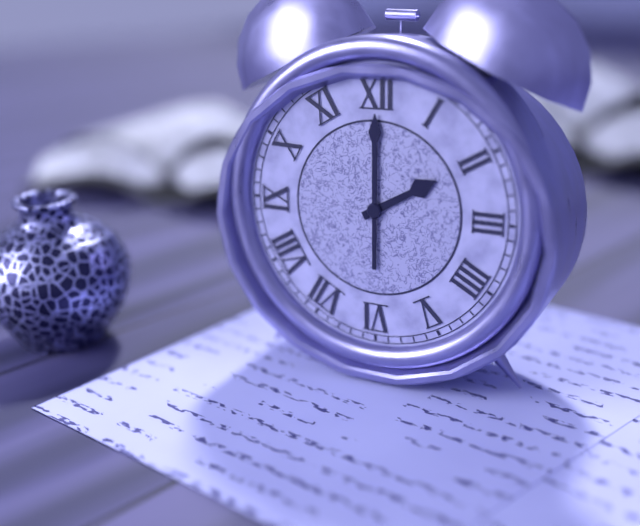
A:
h=2 m=0
